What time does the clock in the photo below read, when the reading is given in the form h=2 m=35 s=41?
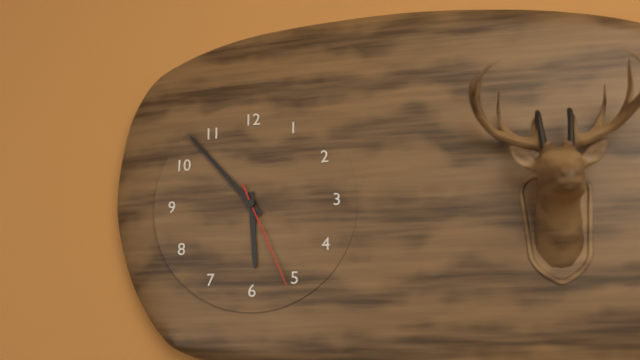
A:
h=5 m=53 s=26
